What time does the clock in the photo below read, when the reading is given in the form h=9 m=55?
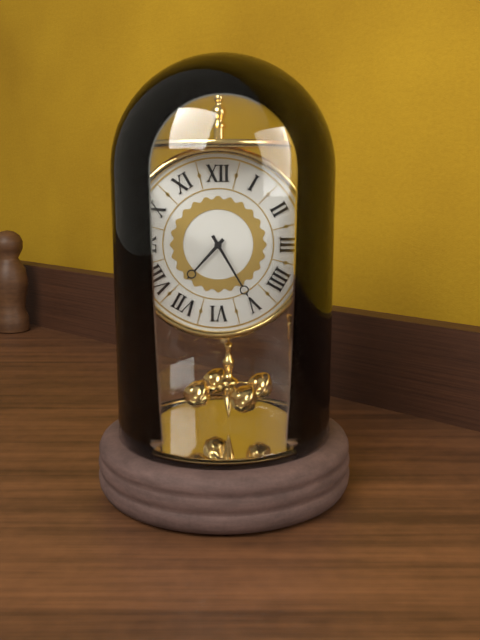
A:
h=7 m=25
